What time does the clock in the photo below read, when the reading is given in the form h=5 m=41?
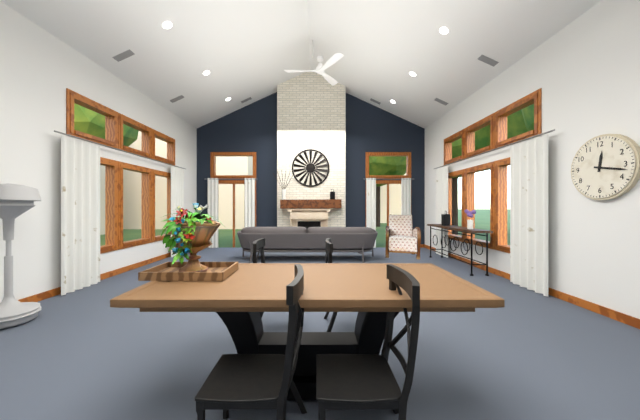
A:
h=12 m=17
